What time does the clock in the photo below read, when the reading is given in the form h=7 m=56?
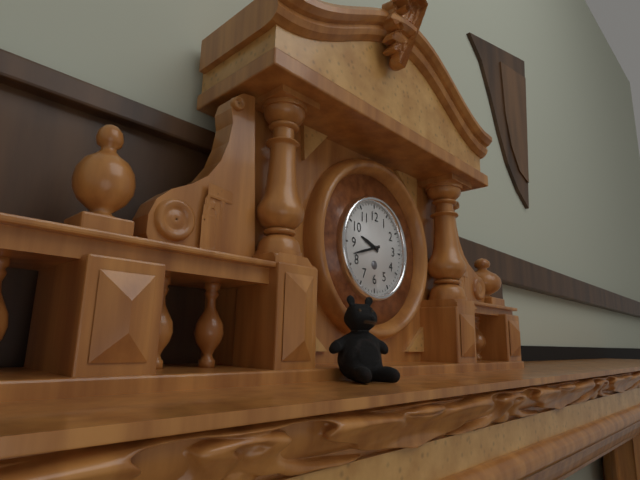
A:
h=9 m=42
